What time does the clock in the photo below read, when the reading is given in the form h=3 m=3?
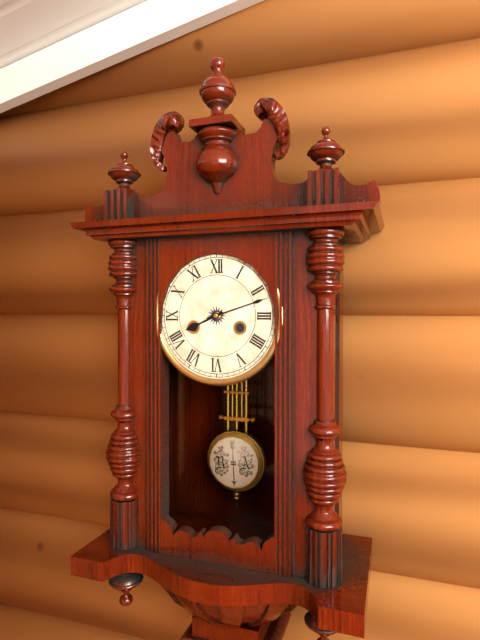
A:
h=8 m=12
